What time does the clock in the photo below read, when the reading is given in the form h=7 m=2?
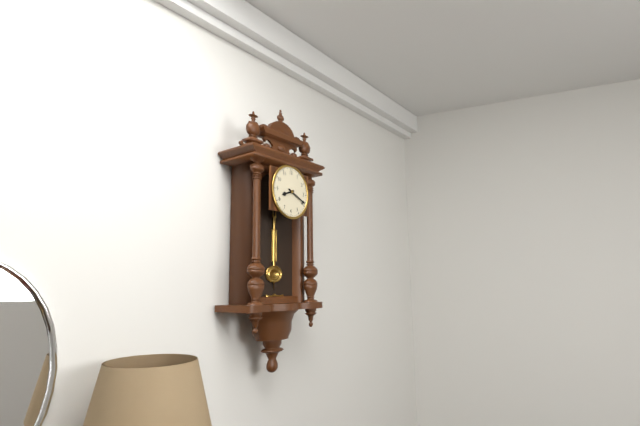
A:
h=8 m=19
